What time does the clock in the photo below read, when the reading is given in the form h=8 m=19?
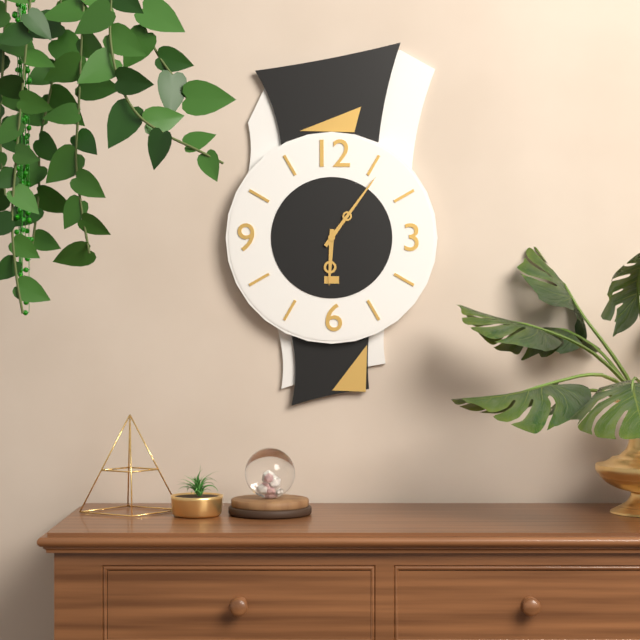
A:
h=6 m=6
